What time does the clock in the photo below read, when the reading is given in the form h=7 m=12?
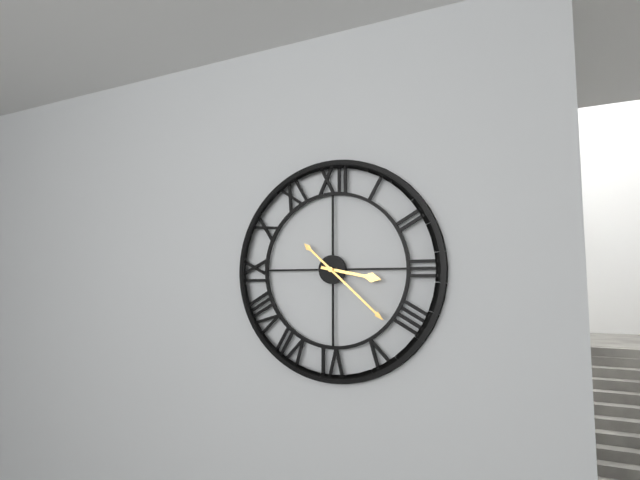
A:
h=3 m=22
